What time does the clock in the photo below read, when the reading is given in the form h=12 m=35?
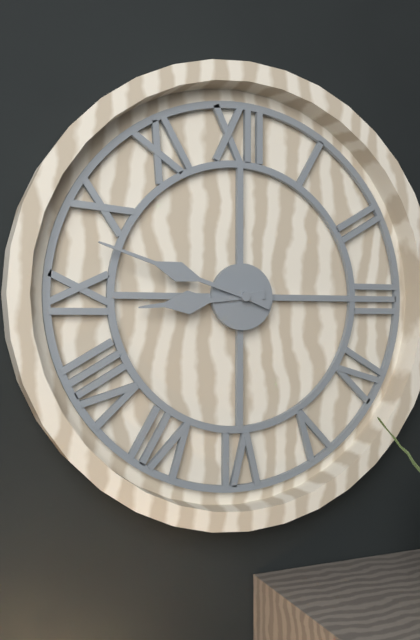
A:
h=8 m=48
